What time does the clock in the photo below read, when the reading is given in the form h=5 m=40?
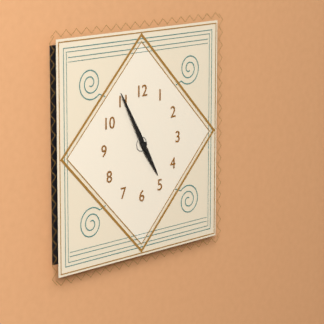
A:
h=4 m=55
